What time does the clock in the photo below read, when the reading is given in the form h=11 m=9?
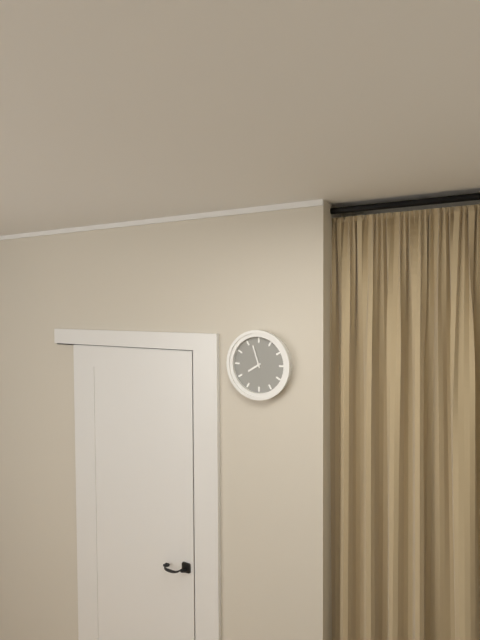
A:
h=7 m=57
